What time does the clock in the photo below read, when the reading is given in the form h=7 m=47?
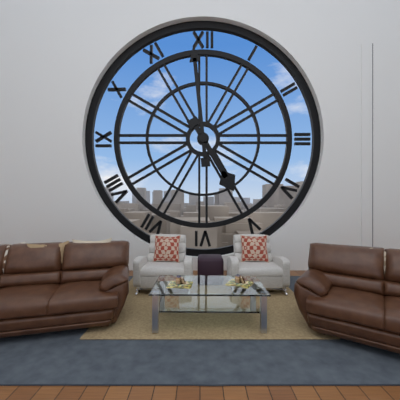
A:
h=4 m=59
